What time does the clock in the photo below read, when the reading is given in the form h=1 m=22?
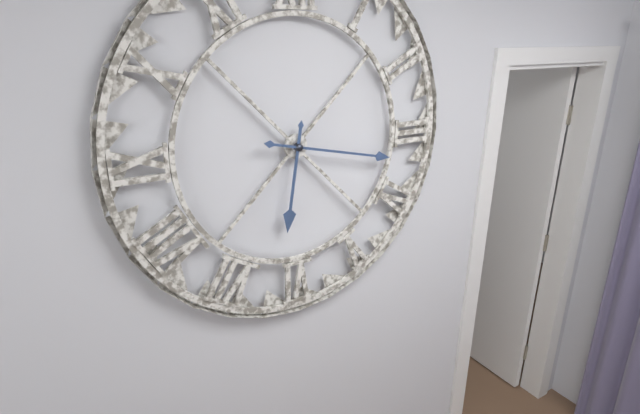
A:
h=6 m=17
